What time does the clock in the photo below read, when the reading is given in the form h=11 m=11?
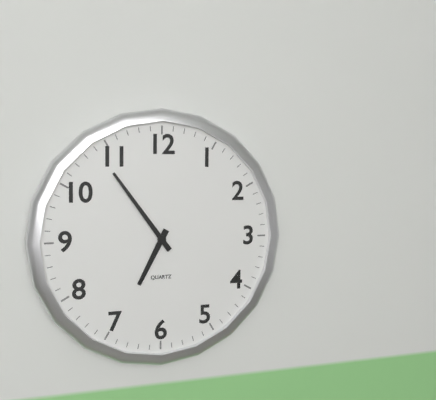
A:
h=6 m=54
